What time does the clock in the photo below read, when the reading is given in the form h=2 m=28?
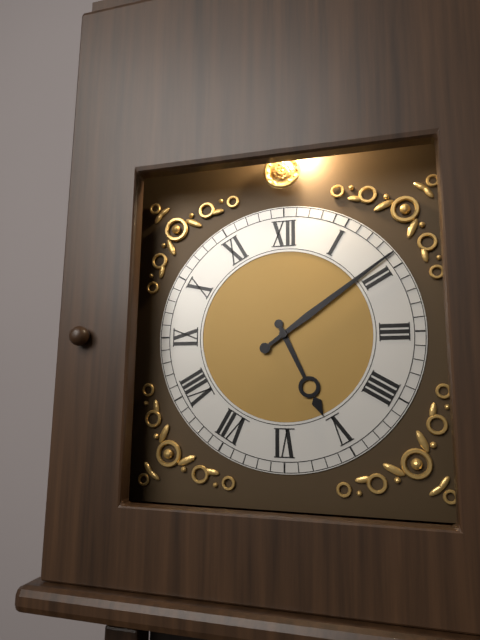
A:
h=5 m=9
